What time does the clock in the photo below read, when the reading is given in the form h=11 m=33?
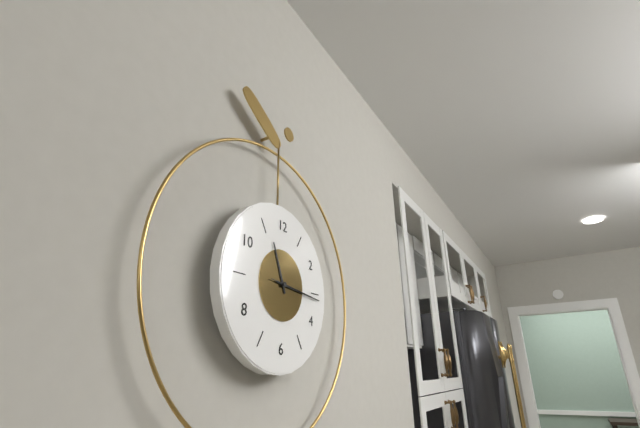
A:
h=11 m=16
